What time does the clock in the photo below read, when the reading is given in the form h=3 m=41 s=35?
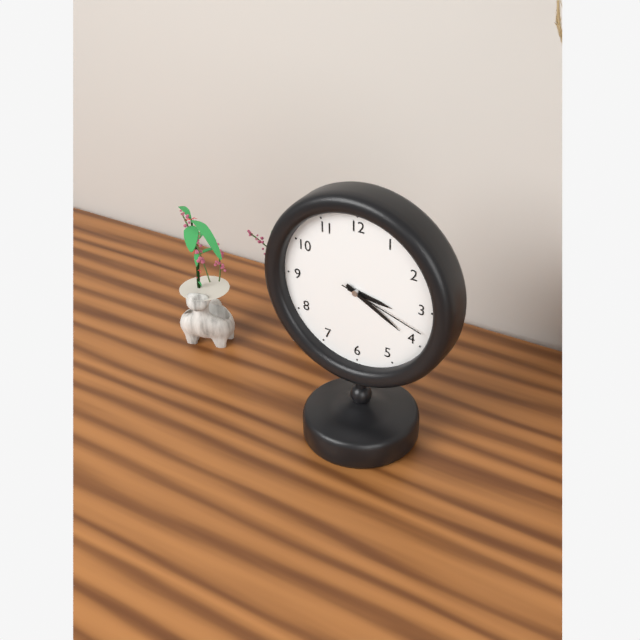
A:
h=3 m=20 s=18
